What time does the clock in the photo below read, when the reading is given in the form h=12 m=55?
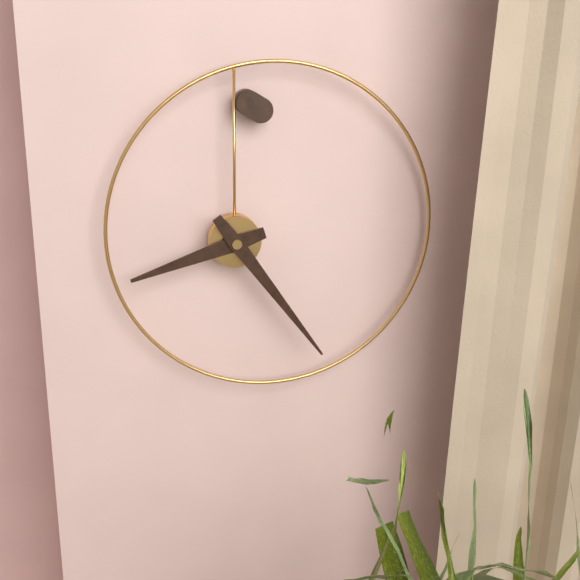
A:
h=8 m=24
